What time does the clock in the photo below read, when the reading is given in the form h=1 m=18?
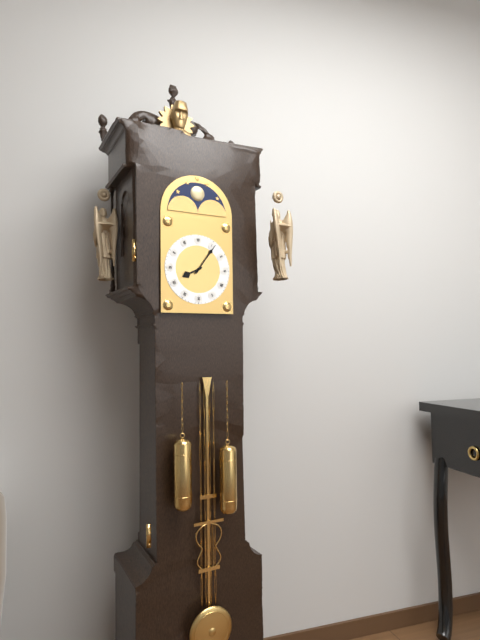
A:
h=8 m=6
